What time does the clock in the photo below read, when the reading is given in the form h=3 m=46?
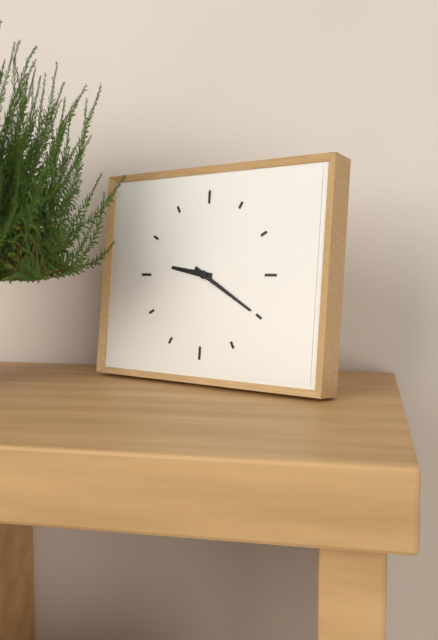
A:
h=9 m=20
